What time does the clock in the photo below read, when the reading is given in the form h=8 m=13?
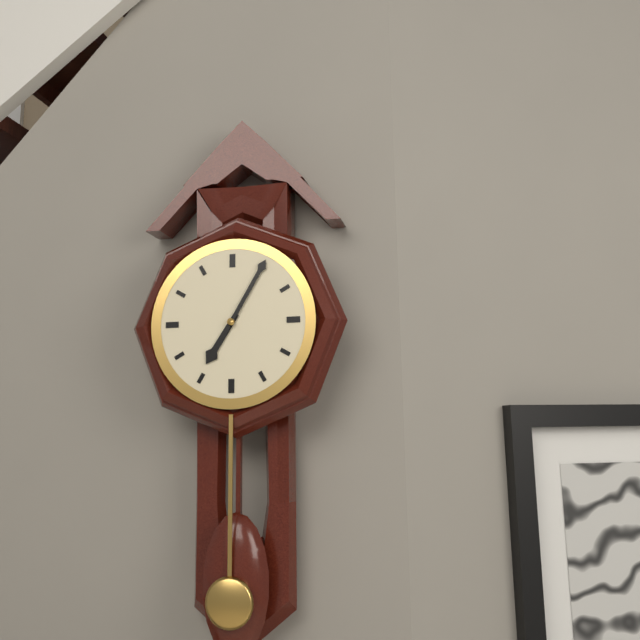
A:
h=7 m=5
